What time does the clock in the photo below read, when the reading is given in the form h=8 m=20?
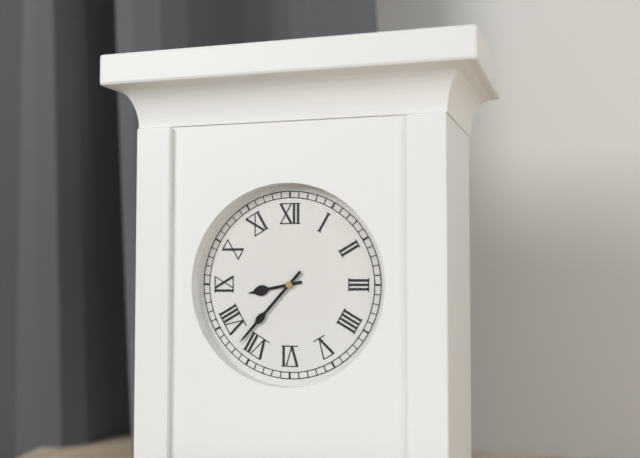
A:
h=8 m=37
